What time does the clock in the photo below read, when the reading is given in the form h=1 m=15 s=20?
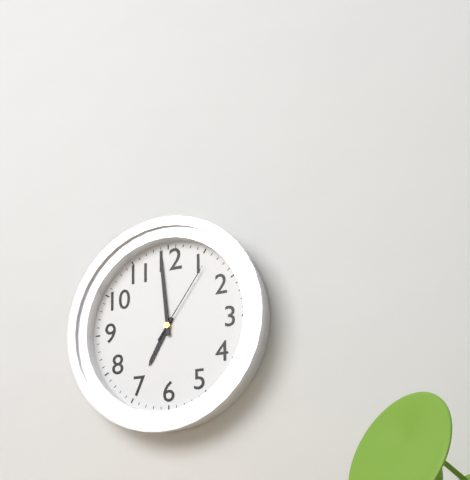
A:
h=6 m=59 s=6
